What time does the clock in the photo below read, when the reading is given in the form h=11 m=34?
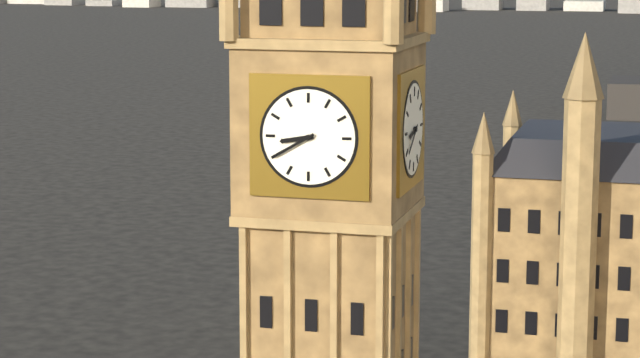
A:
h=8 m=40
